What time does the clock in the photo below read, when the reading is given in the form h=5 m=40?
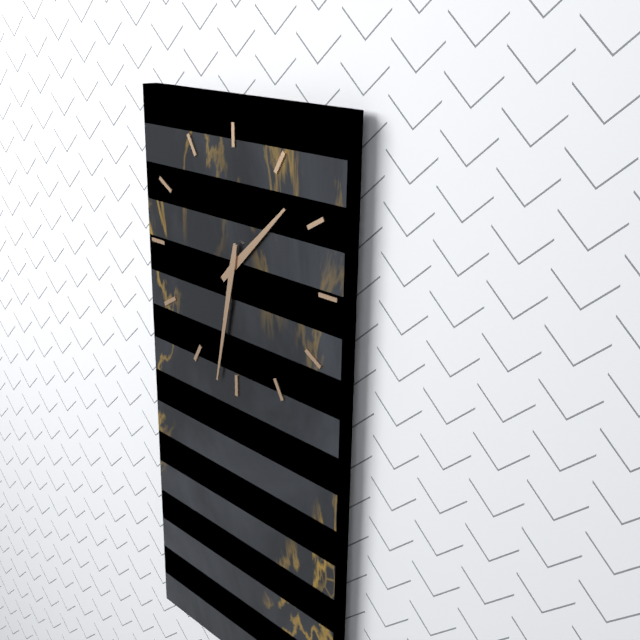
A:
h=1 m=32
